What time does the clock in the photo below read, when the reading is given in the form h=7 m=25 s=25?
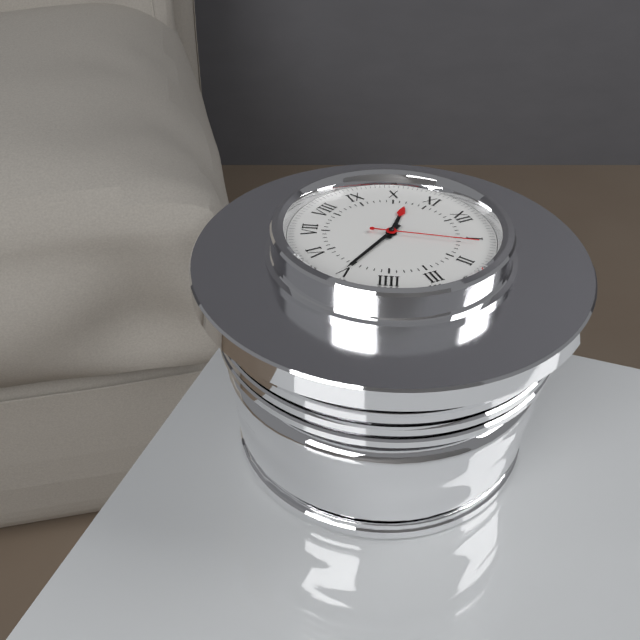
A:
h=10 m=25 s=6
